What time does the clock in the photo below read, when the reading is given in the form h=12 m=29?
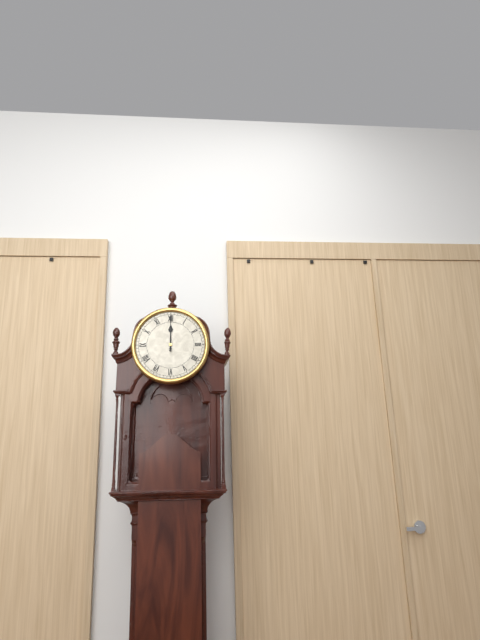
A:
h=12 m=0
